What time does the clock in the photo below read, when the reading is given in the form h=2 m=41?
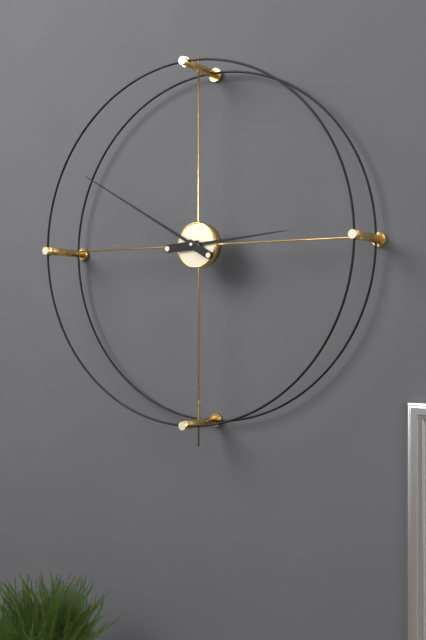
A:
h=2 m=50
